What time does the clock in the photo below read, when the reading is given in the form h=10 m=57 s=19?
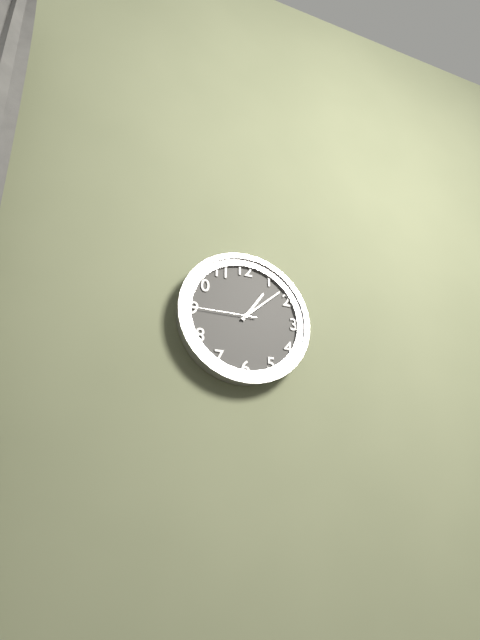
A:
h=1 m=8 s=45
